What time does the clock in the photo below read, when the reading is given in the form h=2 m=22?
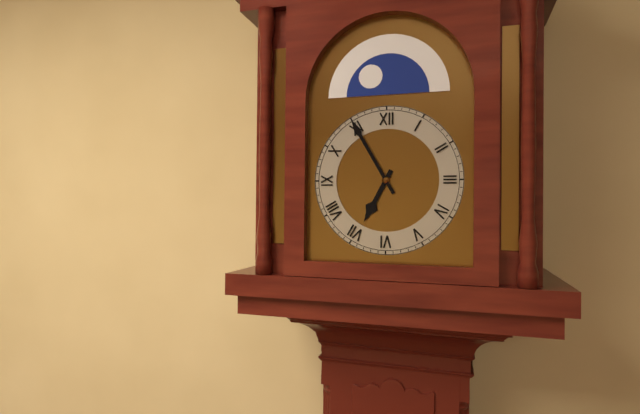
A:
h=6 m=55
